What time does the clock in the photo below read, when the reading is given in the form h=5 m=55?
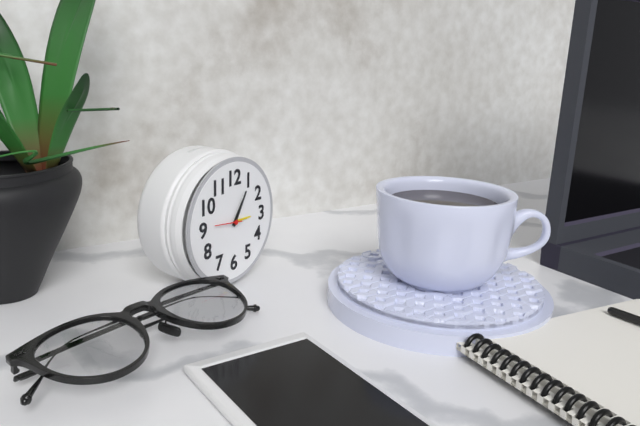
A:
h=1 m=5
